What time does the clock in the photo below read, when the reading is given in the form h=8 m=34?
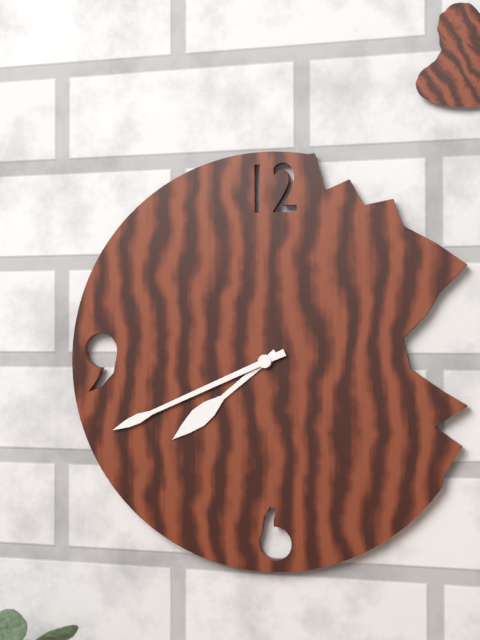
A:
h=7 m=41
